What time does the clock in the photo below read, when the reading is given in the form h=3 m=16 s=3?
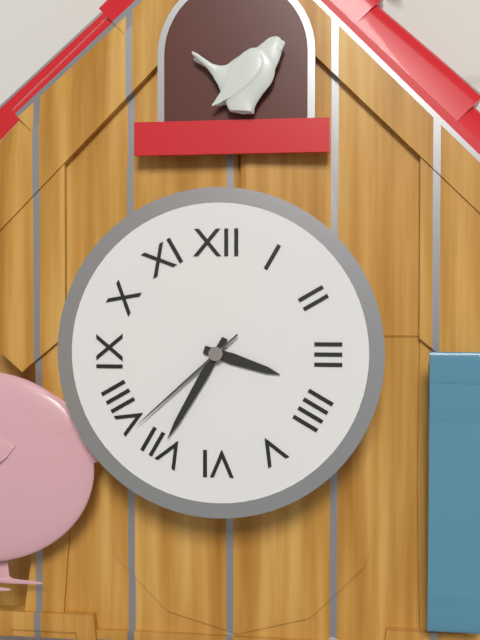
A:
h=3 m=35 s=38
